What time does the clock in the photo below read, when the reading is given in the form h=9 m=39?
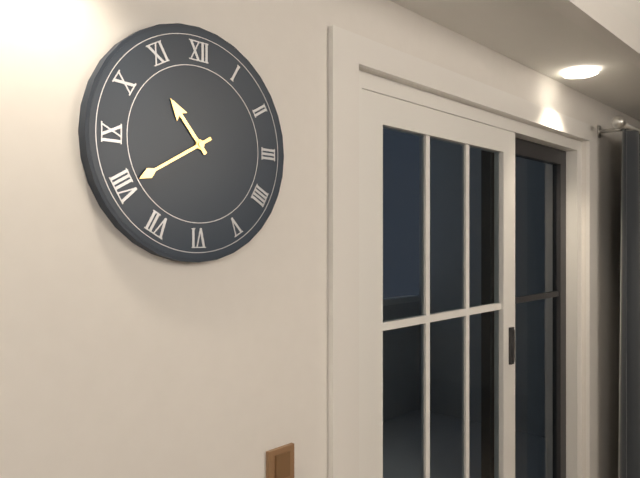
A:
h=10 m=40
